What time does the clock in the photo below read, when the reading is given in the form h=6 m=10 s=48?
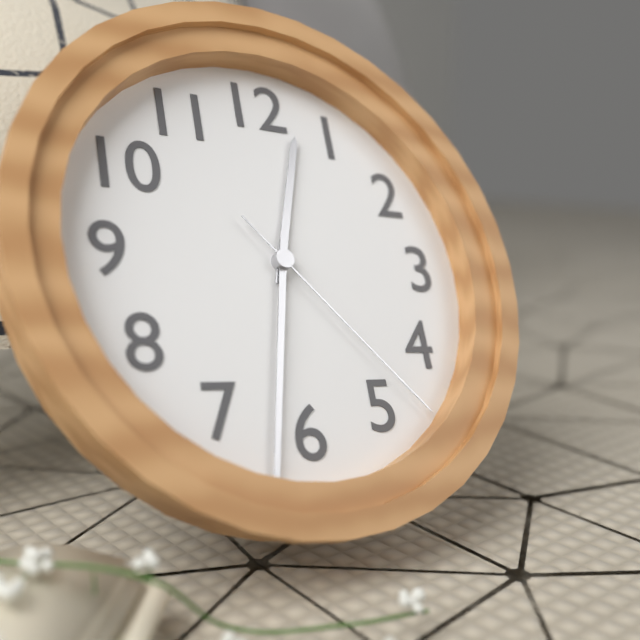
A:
h=12 m=32 s=23
